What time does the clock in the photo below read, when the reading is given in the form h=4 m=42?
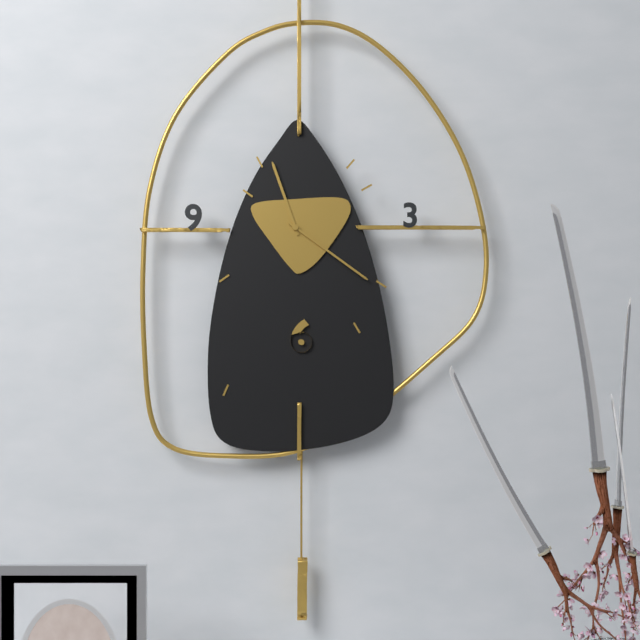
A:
h=11 m=21
